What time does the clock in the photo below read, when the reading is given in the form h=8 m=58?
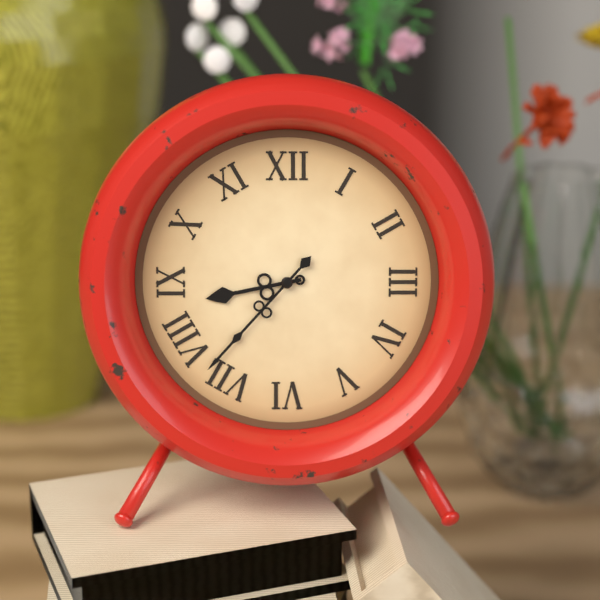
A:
h=8 m=37
